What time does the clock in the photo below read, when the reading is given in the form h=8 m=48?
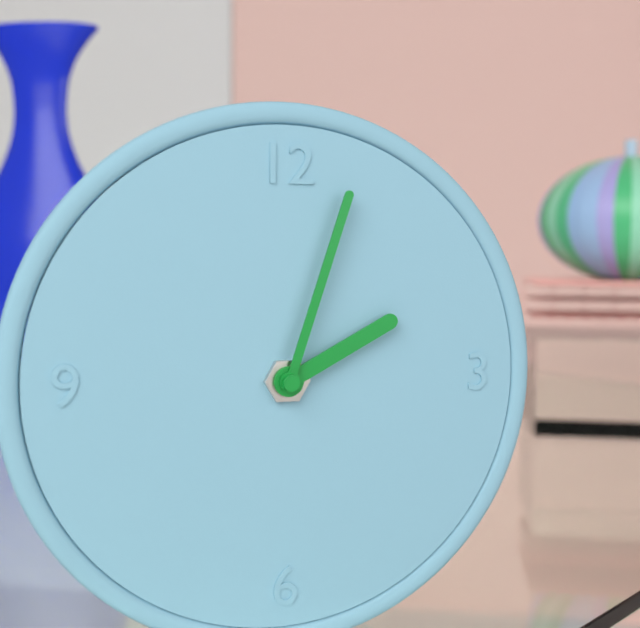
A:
h=2 m=3
